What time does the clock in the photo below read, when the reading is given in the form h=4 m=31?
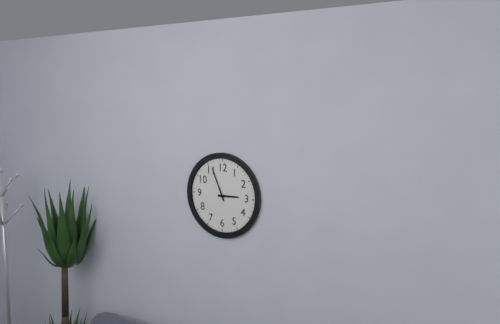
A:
h=2 m=56
